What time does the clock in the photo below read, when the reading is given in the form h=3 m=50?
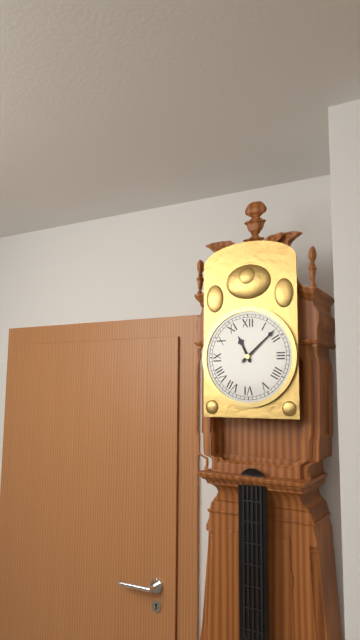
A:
h=11 m=8
